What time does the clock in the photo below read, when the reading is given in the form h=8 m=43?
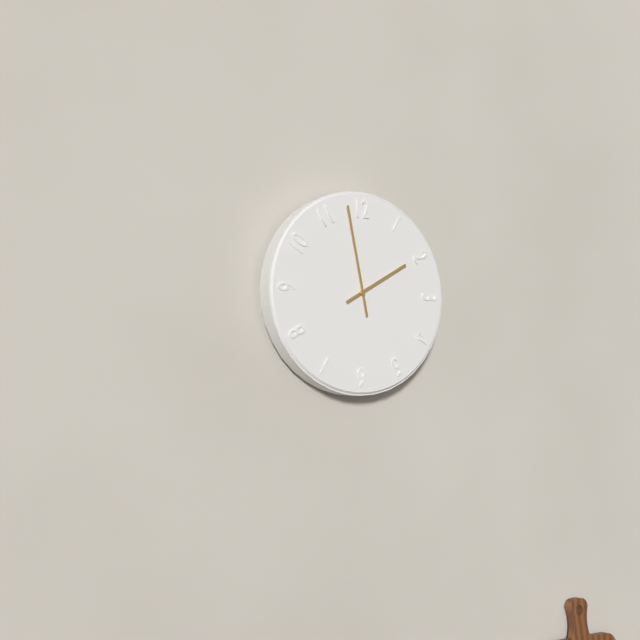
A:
h=1 m=58
